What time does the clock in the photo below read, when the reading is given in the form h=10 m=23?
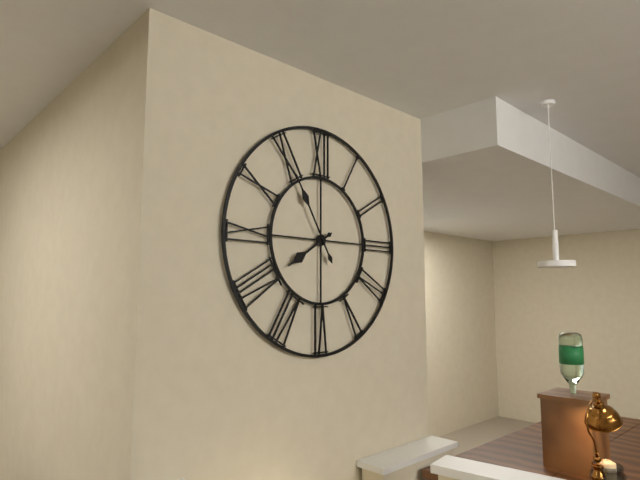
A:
h=7 m=55
